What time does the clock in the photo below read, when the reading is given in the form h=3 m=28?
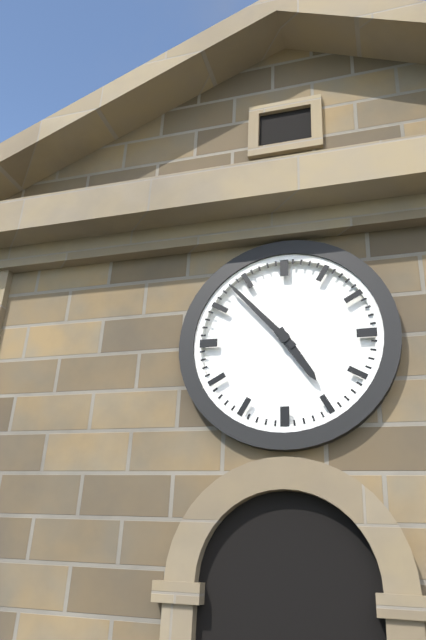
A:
h=4 m=53
